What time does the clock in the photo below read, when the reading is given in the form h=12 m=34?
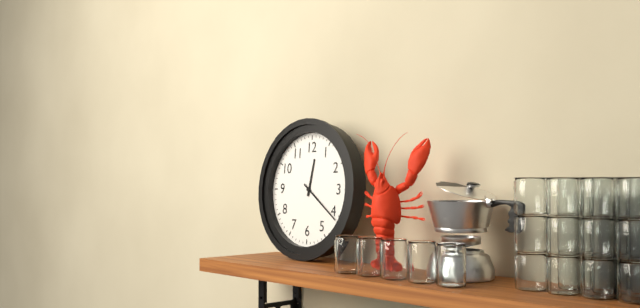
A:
h=12 m=21
